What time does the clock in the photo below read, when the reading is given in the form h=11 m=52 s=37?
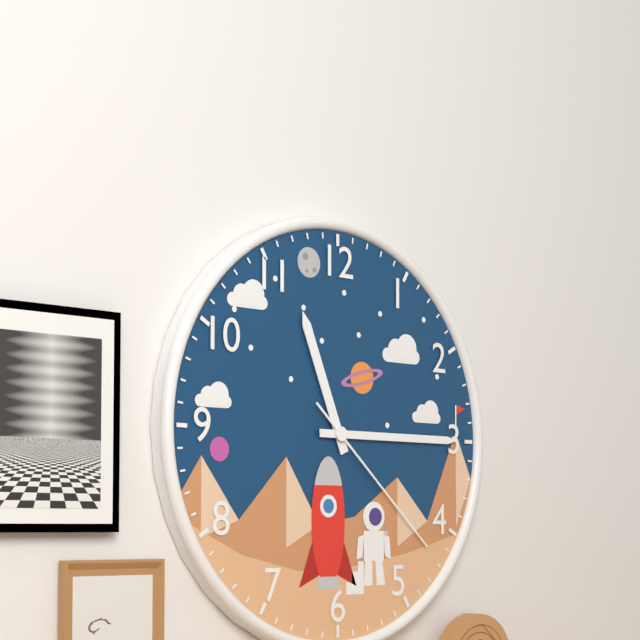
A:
h=11 m=15 s=22
